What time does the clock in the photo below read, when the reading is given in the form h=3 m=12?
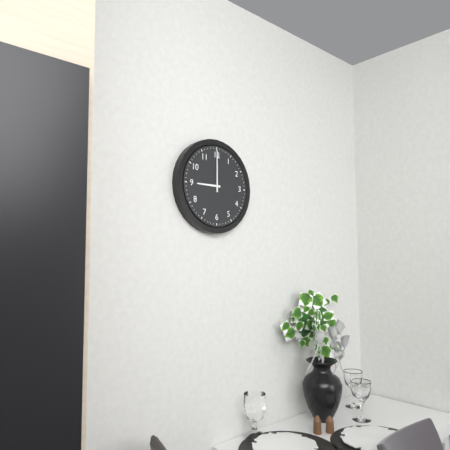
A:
h=9 m=0
